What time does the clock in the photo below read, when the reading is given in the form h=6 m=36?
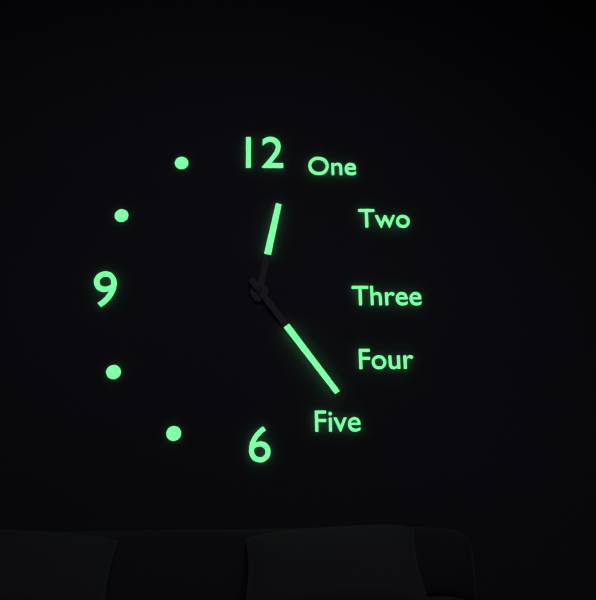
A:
h=12 m=24
